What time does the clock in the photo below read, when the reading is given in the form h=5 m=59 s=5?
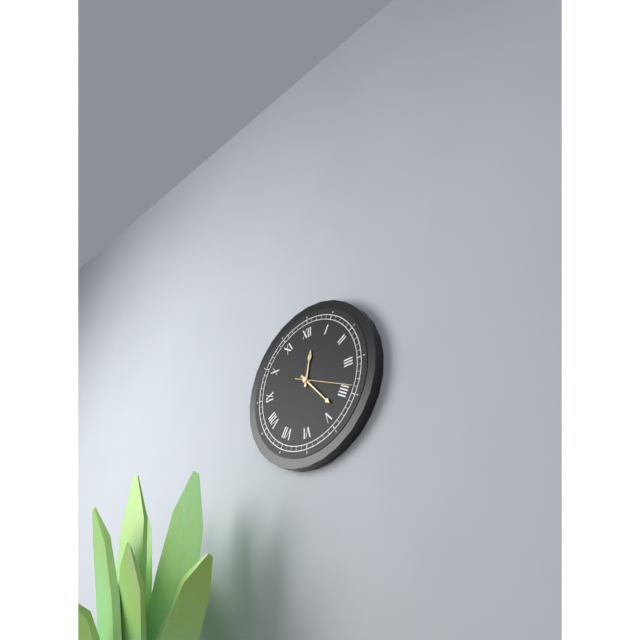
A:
h=12 m=23 s=19
